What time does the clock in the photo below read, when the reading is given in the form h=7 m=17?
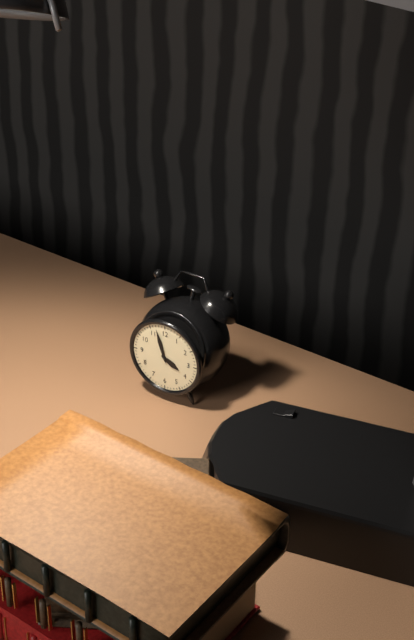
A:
h=3 m=57
